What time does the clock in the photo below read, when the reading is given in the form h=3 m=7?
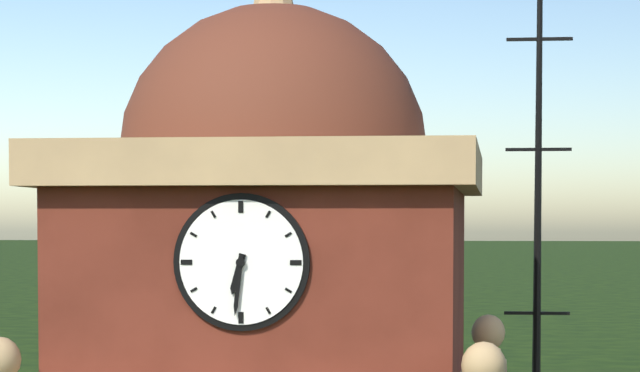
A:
h=6 m=31
